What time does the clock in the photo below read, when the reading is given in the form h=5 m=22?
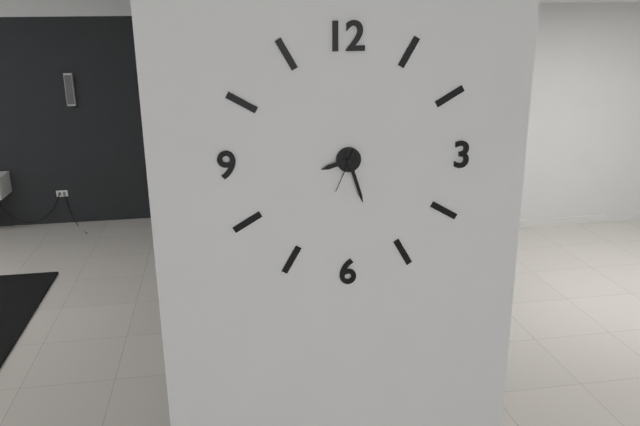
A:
h=8 m=27
